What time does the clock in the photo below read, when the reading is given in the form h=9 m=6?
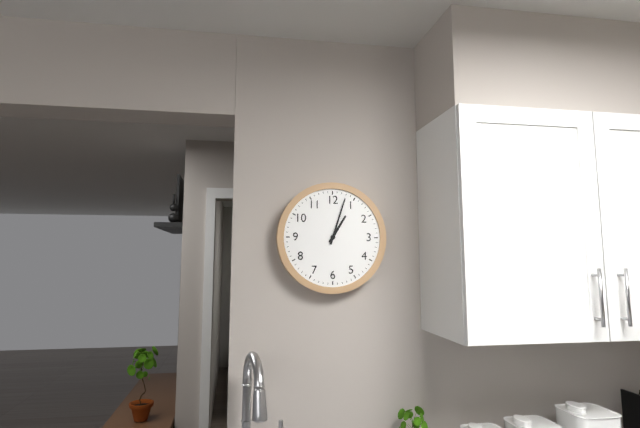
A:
h=1 m=3
